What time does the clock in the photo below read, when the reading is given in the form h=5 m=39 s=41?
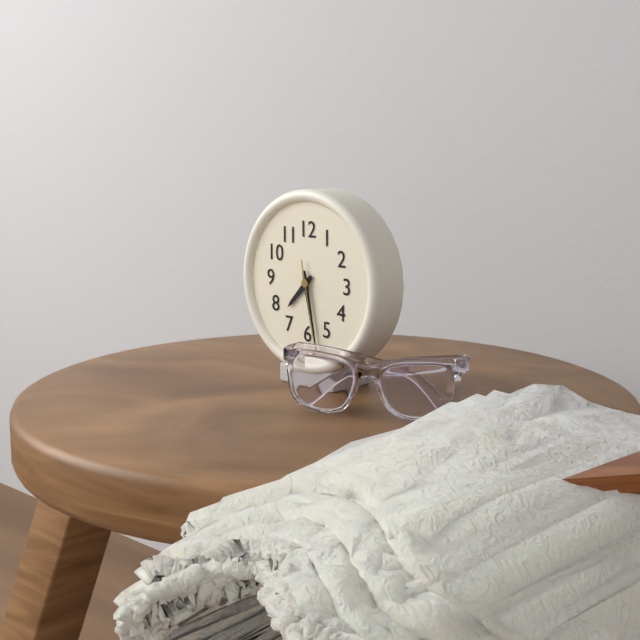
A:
h=7 m=28 s=28
